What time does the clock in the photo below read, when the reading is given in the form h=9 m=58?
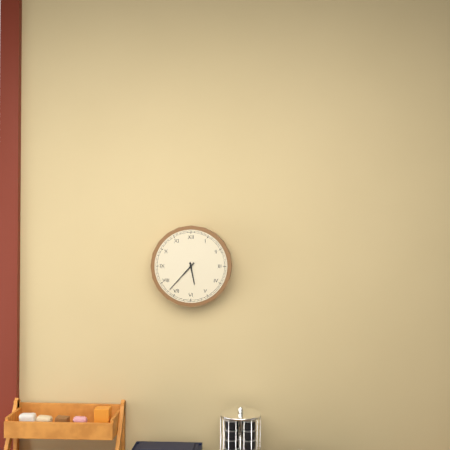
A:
h=5 m=37
